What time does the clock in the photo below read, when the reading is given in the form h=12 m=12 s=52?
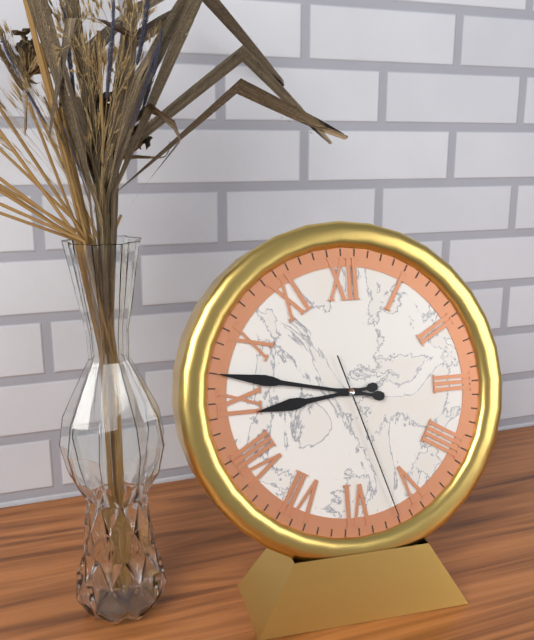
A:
h=8 m=47 s=27
